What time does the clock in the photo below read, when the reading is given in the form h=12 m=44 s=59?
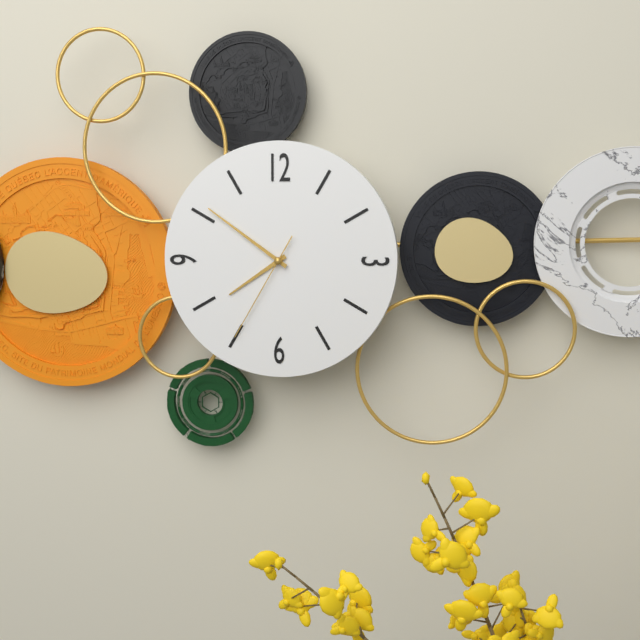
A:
h=7 m=51 s=35
